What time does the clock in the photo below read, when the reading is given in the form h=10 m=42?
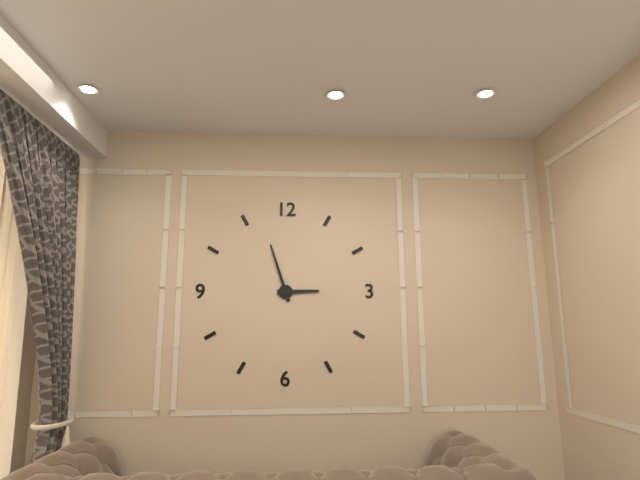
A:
h=2 m=57
